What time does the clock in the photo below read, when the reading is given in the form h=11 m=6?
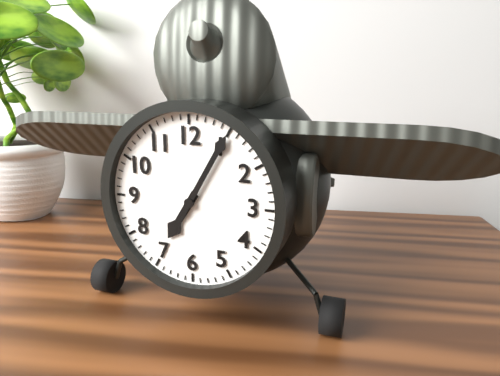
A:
h=7 m=5
